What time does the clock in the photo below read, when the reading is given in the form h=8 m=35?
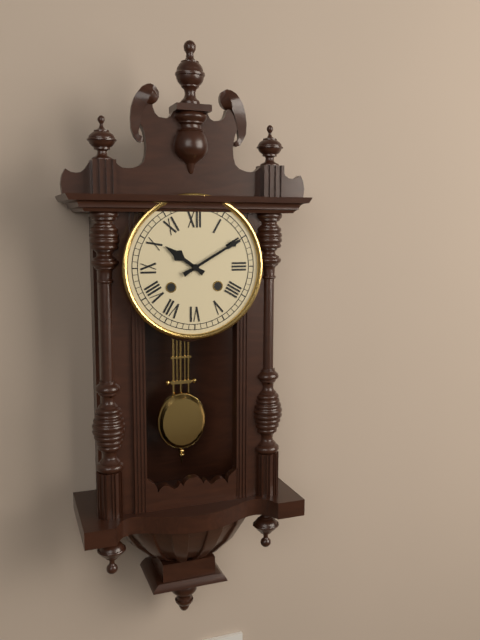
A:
h=10 m=10
